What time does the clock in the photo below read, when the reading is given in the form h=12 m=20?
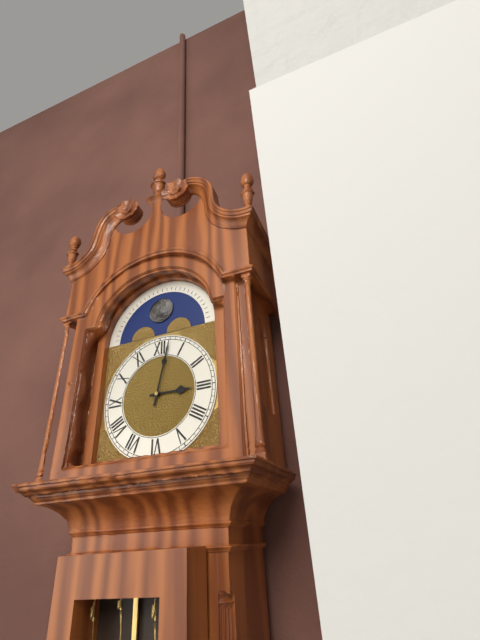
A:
h=3 m=2
